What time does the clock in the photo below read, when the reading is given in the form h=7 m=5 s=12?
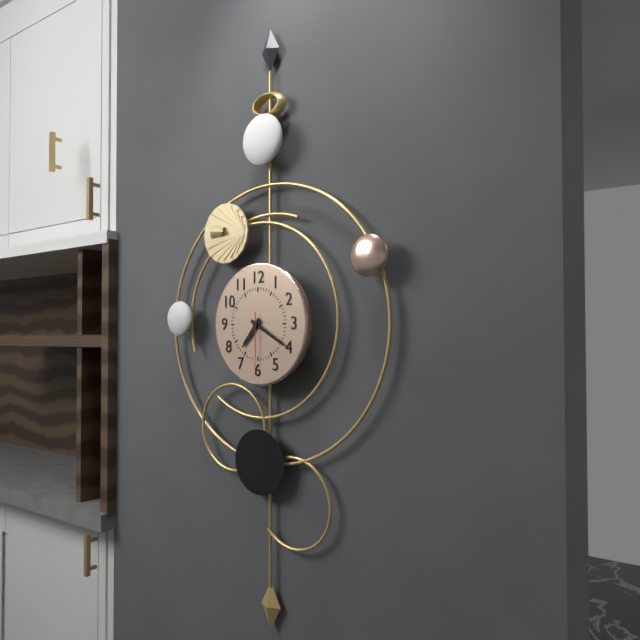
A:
h=7 m=20 s=30
